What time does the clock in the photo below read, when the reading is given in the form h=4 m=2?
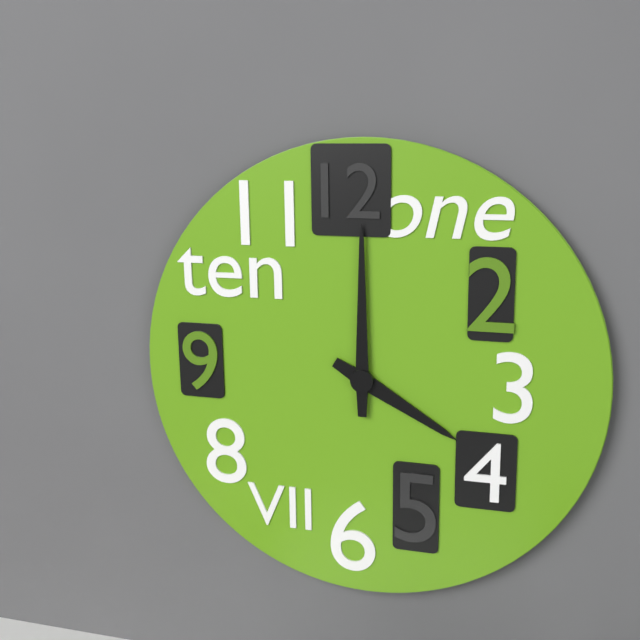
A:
h=4 m=0
